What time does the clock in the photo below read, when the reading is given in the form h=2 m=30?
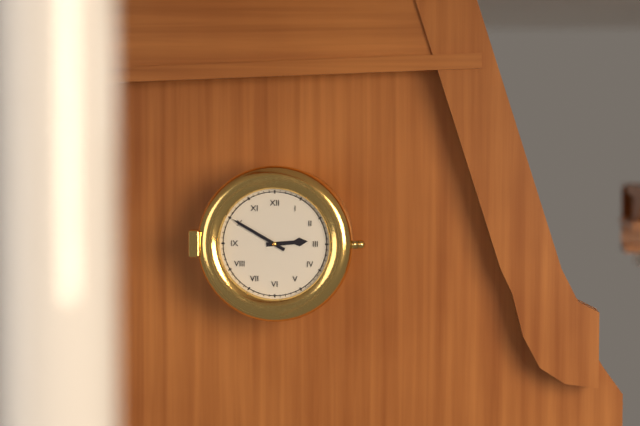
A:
h=2 m=50
